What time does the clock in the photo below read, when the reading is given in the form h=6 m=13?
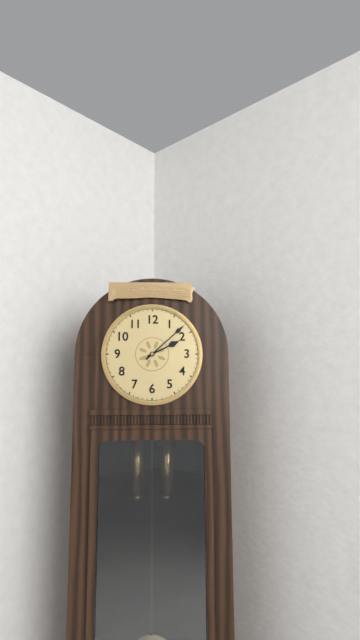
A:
h=2 m=8
